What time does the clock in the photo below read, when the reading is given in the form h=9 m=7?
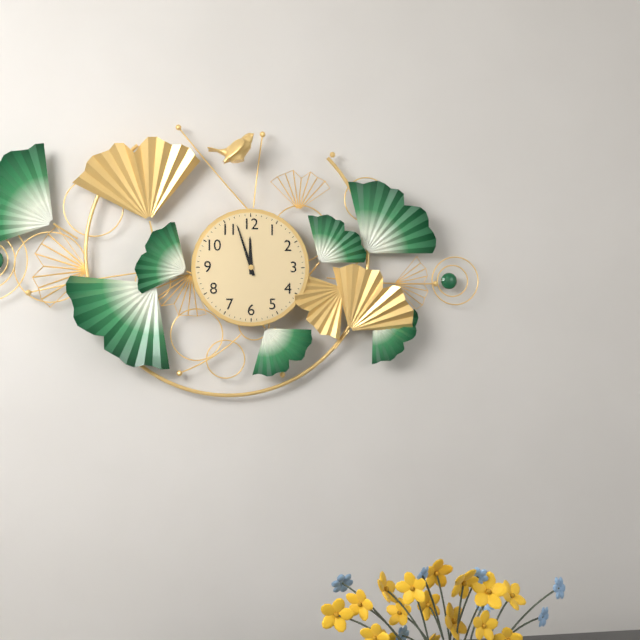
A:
h=11 m=57
